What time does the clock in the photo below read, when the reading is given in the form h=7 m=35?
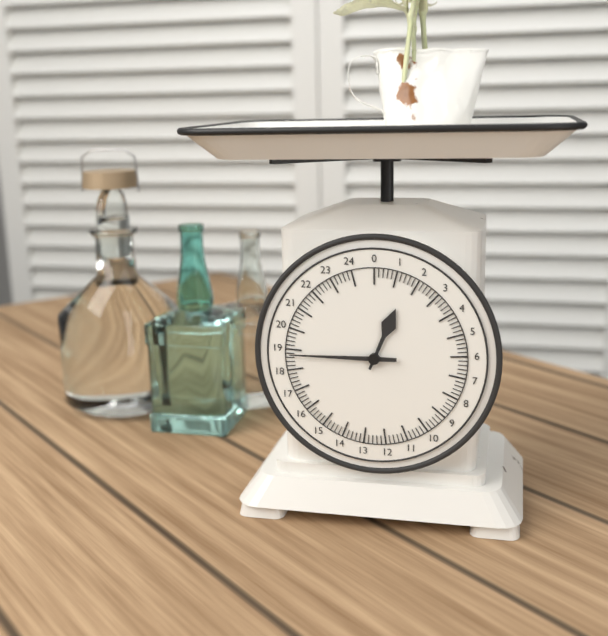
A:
h=12 m=45
